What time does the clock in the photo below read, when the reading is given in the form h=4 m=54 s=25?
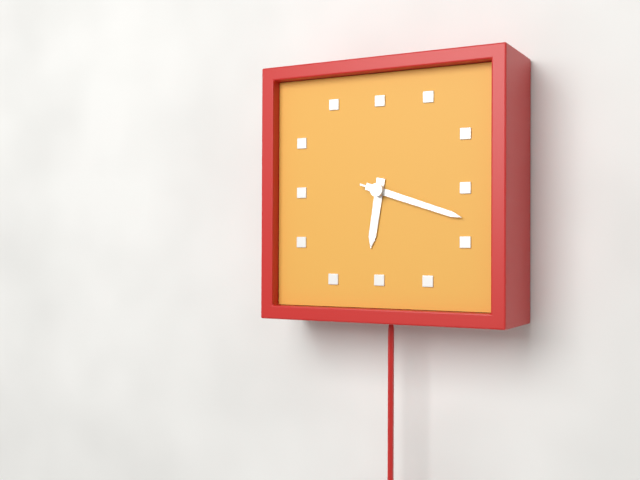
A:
h=6 m=18 s=18
